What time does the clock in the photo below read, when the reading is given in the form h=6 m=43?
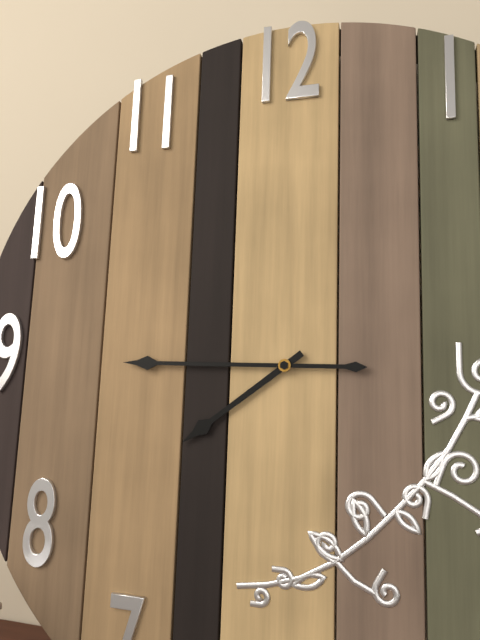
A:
h=7 m=45
